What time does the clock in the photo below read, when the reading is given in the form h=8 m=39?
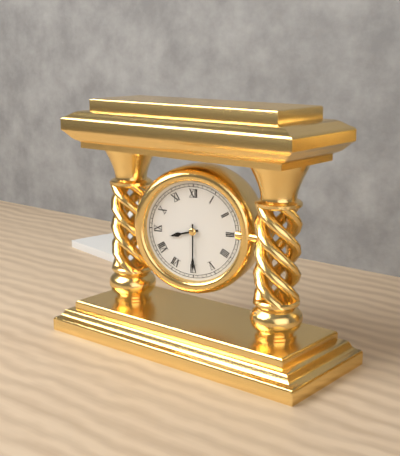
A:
h=8 m=30
